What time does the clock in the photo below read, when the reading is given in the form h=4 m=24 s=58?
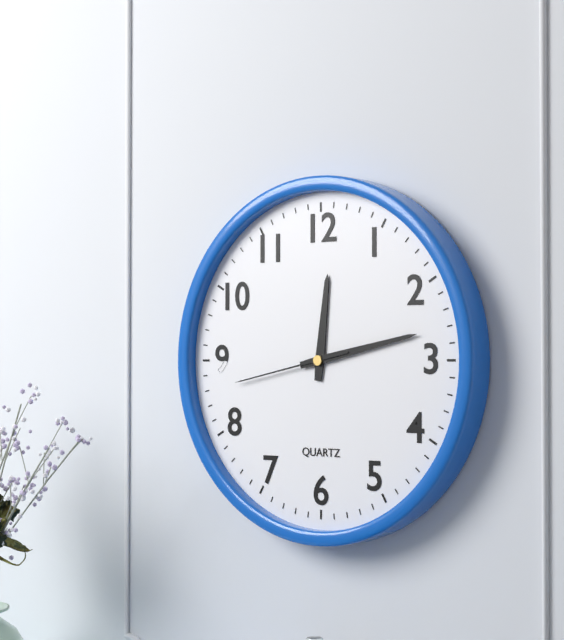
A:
h=12 m=13 s=43
